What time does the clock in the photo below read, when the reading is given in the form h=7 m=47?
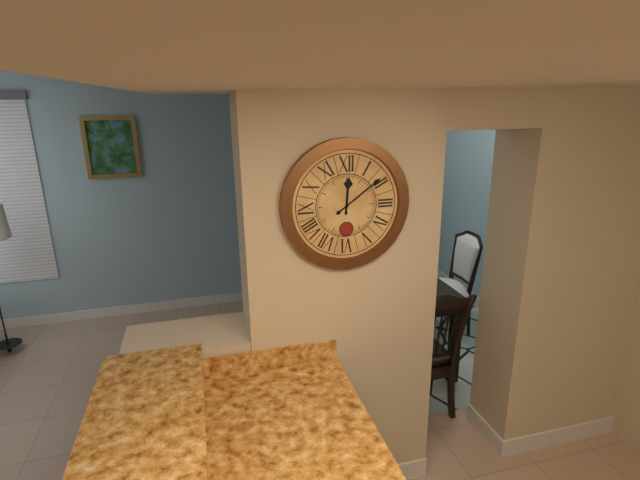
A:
h=12 m=9
